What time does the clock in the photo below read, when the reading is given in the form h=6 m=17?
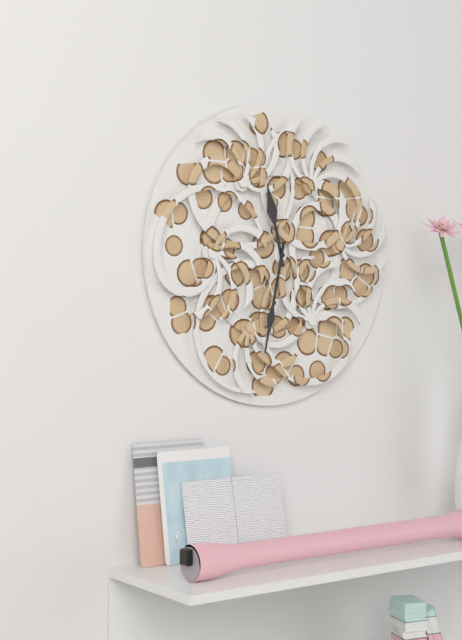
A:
h=11 m=32
